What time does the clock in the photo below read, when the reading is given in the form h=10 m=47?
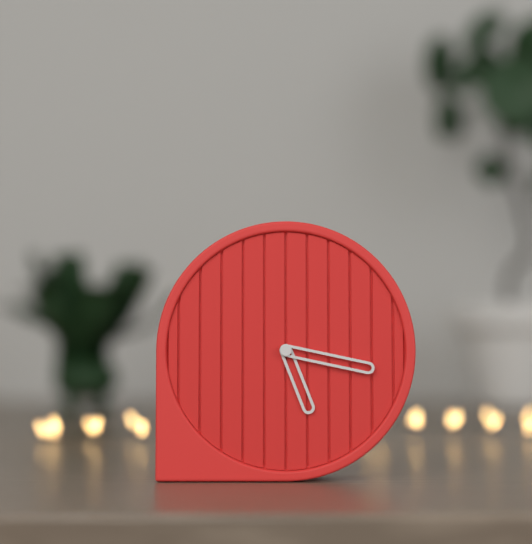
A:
h=5 m=17
